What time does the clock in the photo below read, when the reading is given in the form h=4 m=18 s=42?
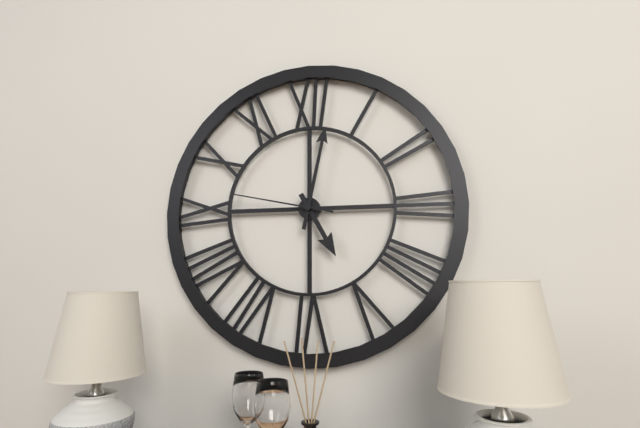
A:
h=5 m=2 s=47
